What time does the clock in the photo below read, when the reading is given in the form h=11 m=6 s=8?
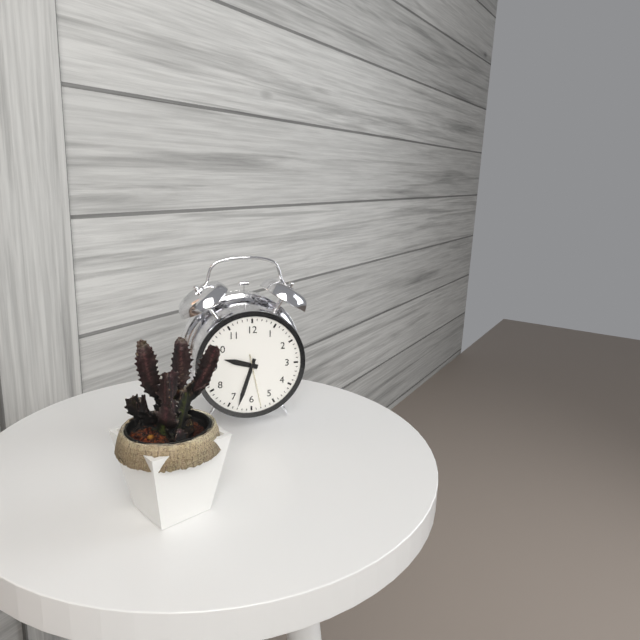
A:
h=9 m=33 s=28
